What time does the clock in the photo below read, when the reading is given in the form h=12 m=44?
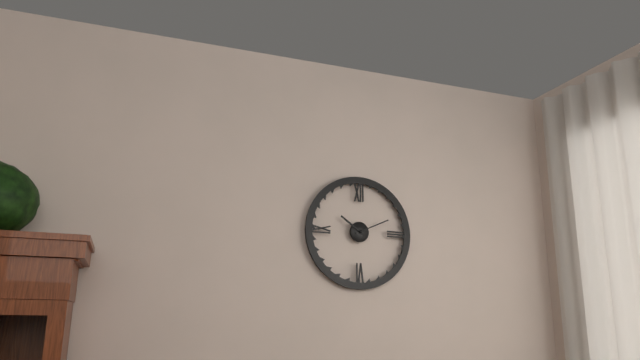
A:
h=10 m=11
